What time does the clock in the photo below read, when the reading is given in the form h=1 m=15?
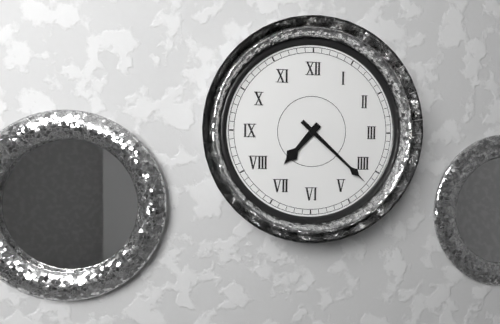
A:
h=7 m=22
